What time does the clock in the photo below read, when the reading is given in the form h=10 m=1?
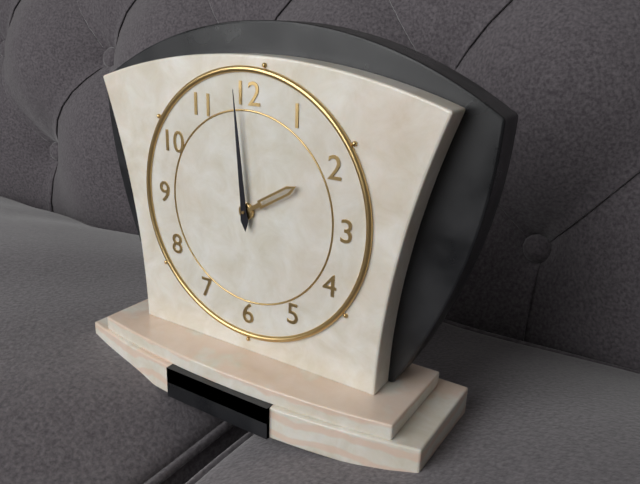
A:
h=1 m=59
